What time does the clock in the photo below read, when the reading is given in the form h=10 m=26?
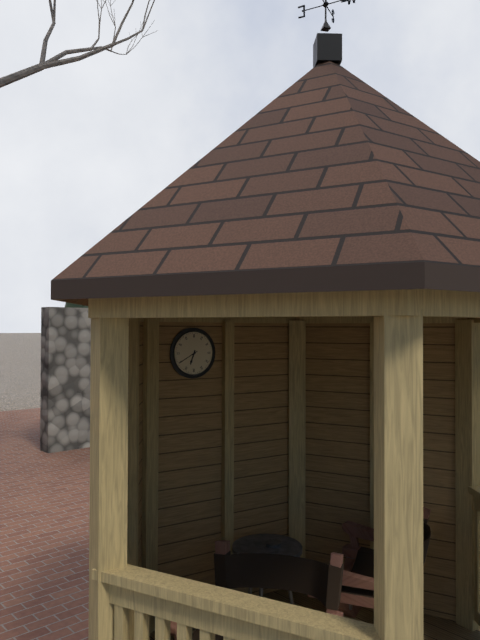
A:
h=6 m=40
